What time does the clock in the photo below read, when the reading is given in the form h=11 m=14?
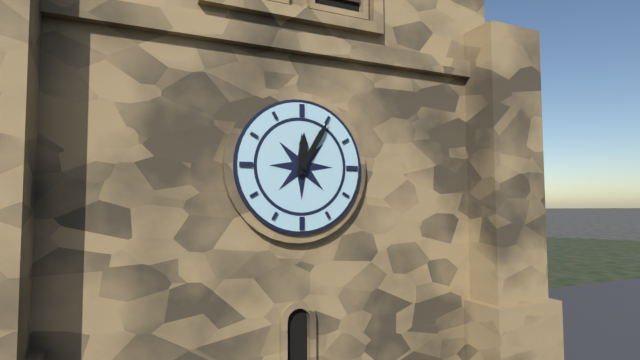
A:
h=12 m=5
